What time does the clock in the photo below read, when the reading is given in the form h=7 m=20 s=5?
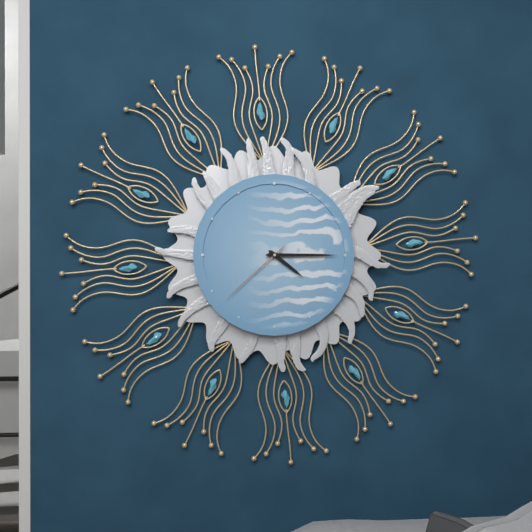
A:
h=4 m=15 s=38
